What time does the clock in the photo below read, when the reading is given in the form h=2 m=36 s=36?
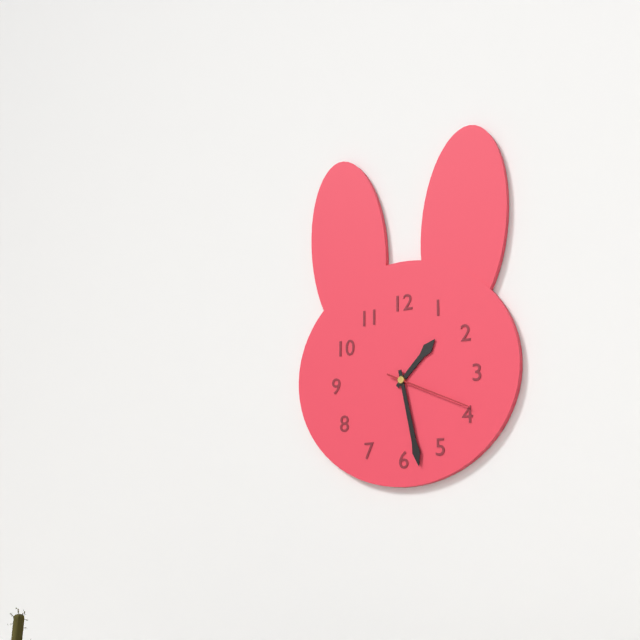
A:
h=1 m=28 s=19
